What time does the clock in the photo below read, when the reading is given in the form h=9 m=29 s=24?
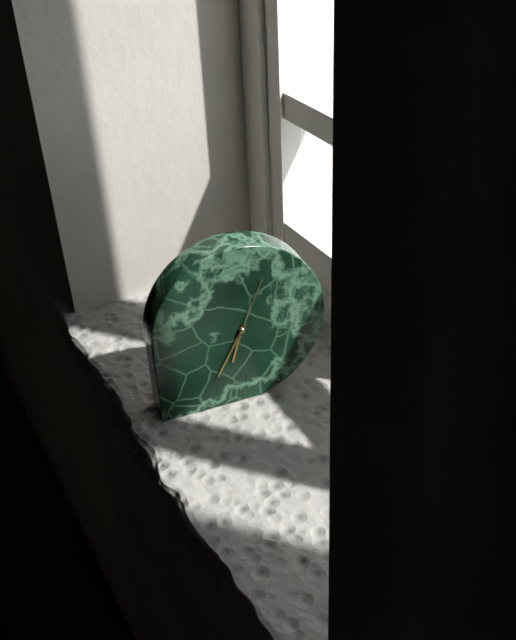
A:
h=6 m=35 s=4
